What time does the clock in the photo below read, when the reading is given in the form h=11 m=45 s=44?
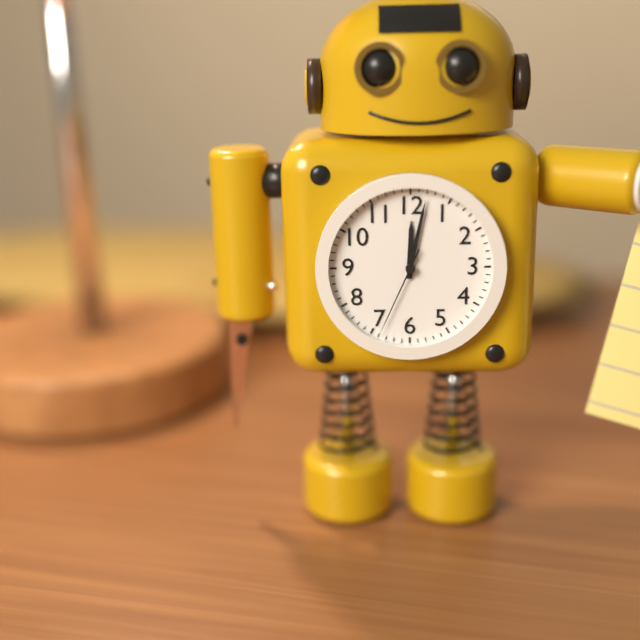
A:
h=12 m=2 s=34
